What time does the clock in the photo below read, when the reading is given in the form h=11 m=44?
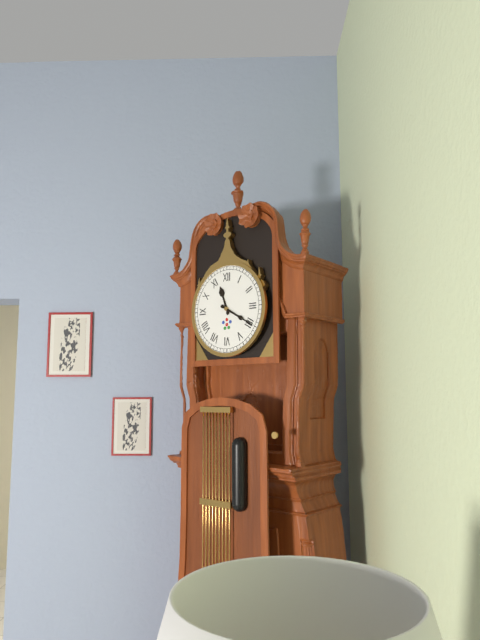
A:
h=11 m=20
